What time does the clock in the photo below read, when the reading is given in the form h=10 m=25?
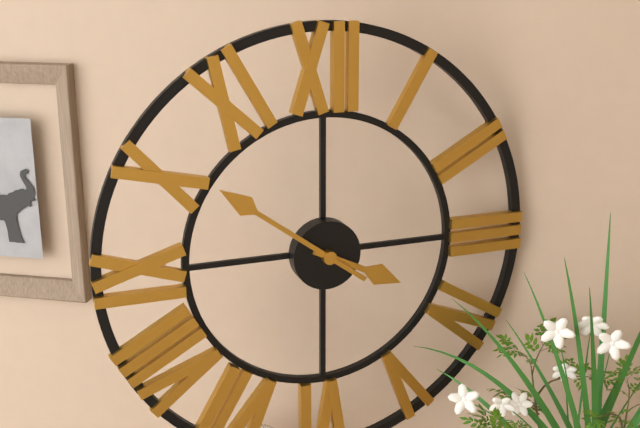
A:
h=3 m=51
